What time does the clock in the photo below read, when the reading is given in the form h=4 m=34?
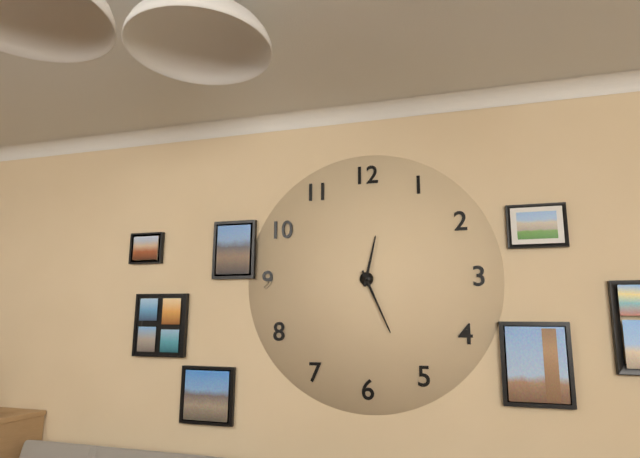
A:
h=12 m=26
